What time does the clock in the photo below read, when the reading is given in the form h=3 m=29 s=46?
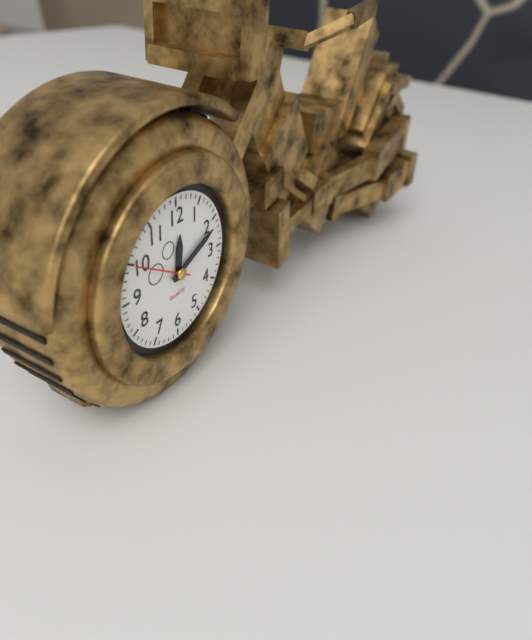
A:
h=12 m=11 s=50
